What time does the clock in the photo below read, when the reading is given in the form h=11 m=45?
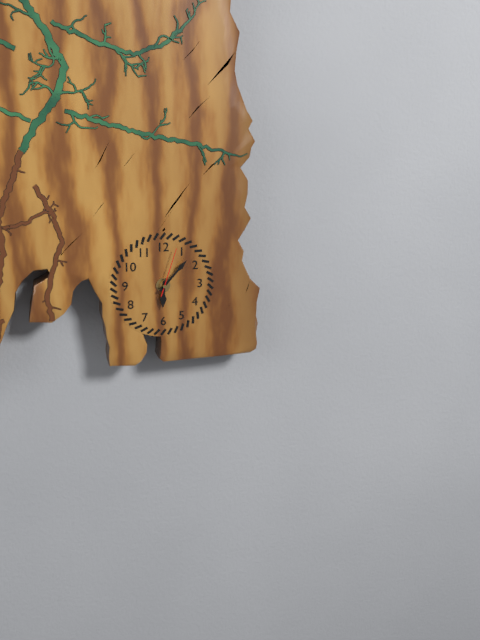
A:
h=6 m=7
